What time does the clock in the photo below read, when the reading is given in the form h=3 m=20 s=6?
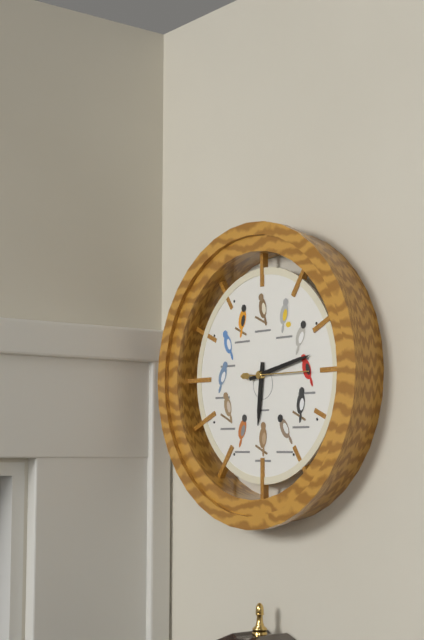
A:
h=6 m=13 s=15
